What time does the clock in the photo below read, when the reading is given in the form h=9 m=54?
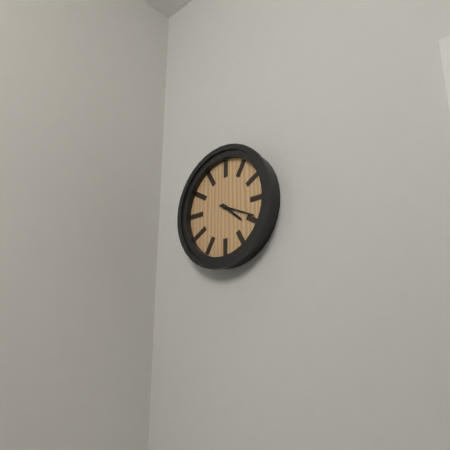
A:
h=4 m=19
